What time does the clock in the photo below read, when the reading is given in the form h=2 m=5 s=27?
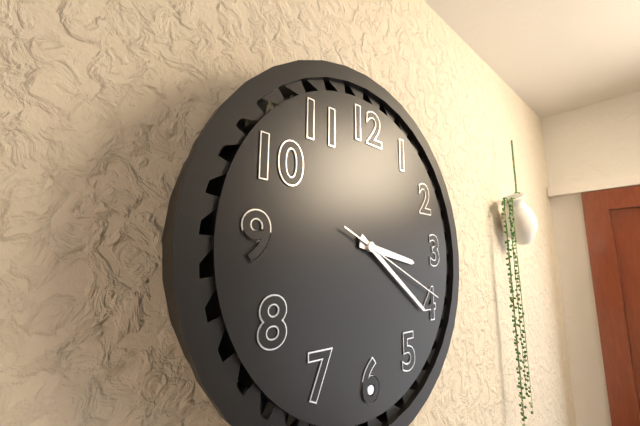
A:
h=3 m=21 s=19
